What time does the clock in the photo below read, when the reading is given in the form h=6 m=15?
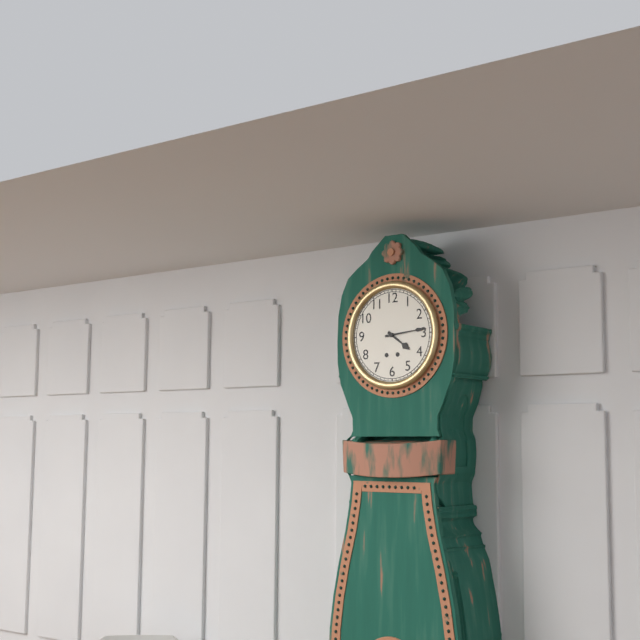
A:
h=4 m=14
